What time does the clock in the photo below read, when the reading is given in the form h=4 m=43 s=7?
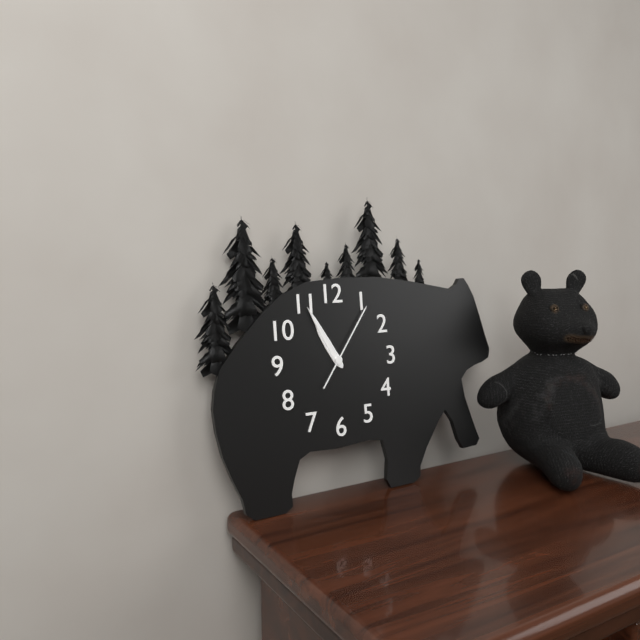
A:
h=10 m=55 s=6
